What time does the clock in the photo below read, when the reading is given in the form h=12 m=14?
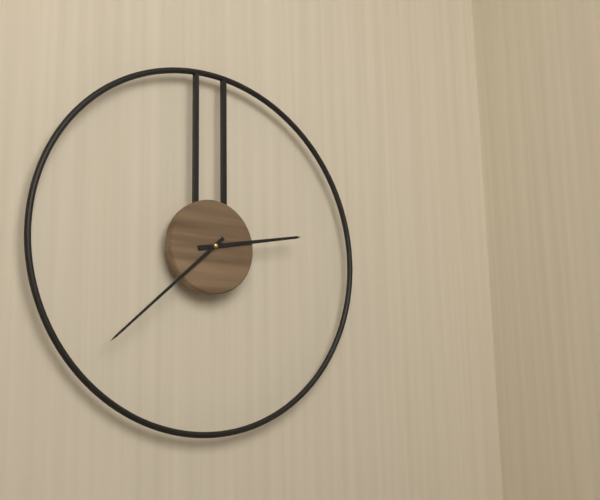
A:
h=2 m=38
